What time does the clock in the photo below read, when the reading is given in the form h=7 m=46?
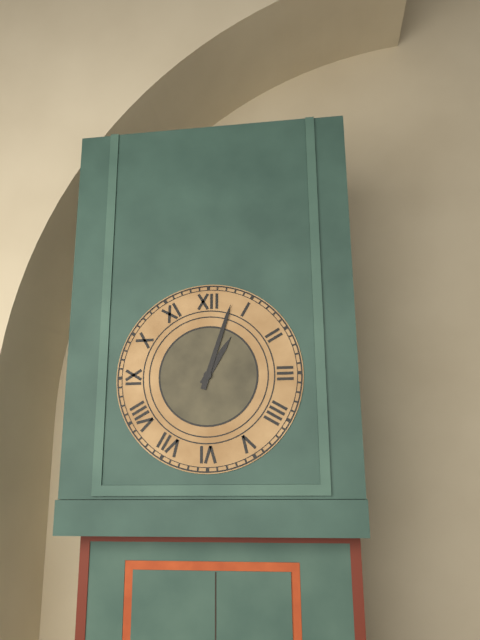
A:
h=1 m=3
